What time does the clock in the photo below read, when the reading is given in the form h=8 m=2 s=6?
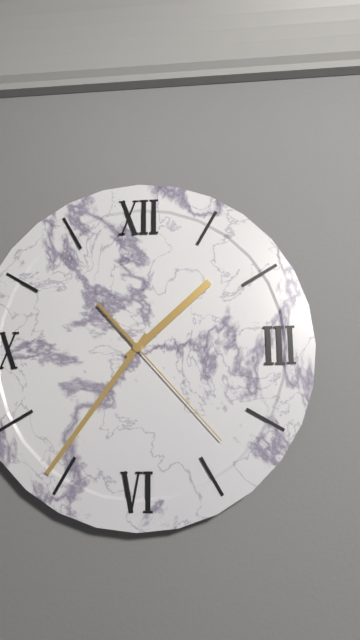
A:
h=1 m=36 s=23
